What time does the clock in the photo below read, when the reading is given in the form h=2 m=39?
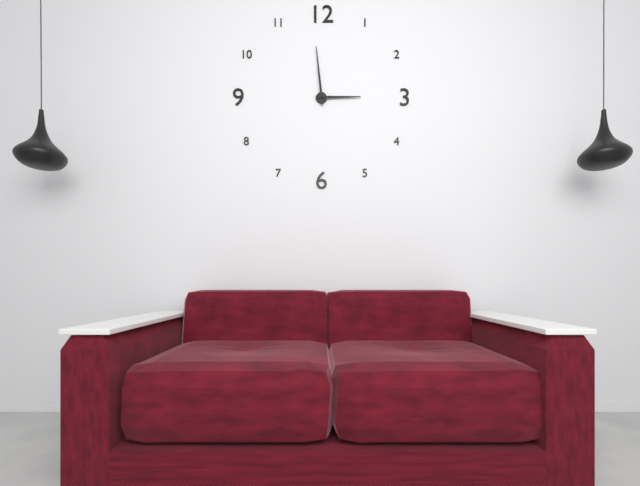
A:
h=2 m=59
